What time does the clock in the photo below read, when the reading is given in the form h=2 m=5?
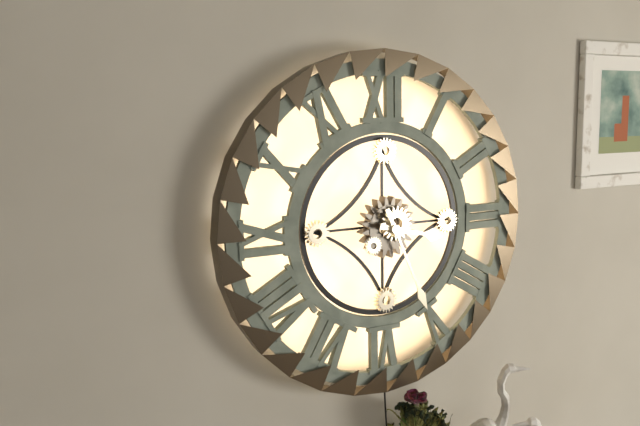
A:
h=3 m=26
